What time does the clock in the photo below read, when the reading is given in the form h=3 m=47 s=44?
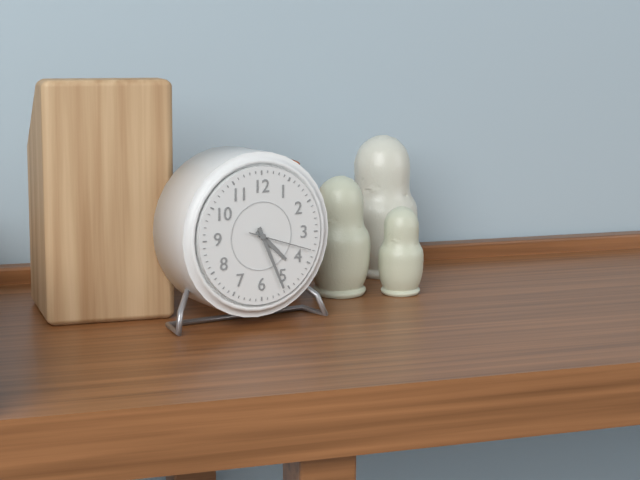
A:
h=4 m=26 s=18
